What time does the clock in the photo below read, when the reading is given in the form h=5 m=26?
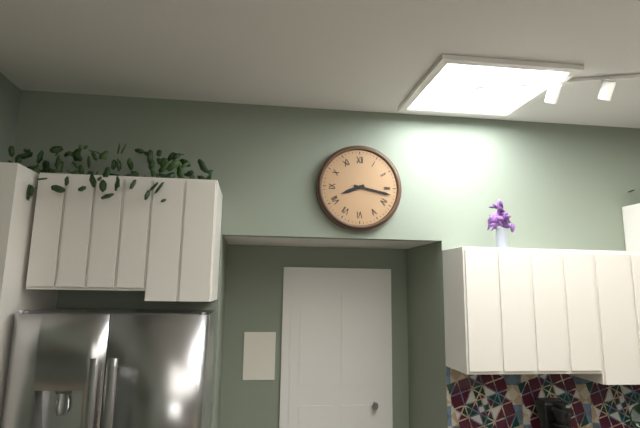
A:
h=8 m=17
